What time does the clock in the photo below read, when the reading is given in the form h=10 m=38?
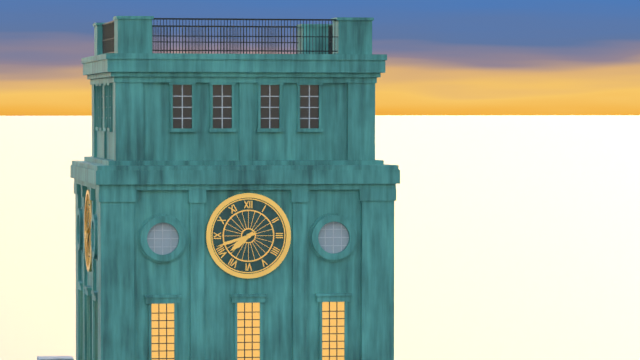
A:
h=7 m=42
